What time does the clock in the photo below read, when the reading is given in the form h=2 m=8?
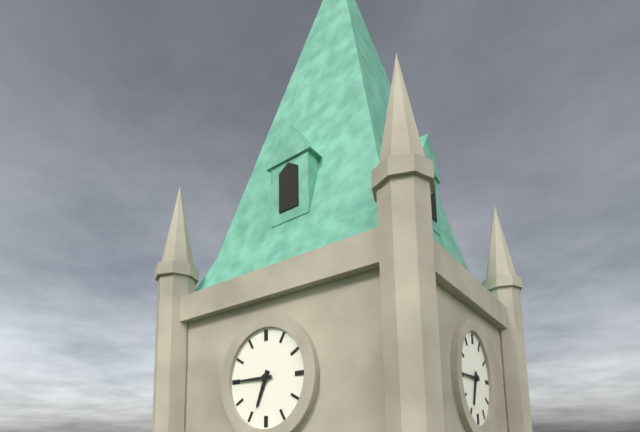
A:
h=6 m=45
